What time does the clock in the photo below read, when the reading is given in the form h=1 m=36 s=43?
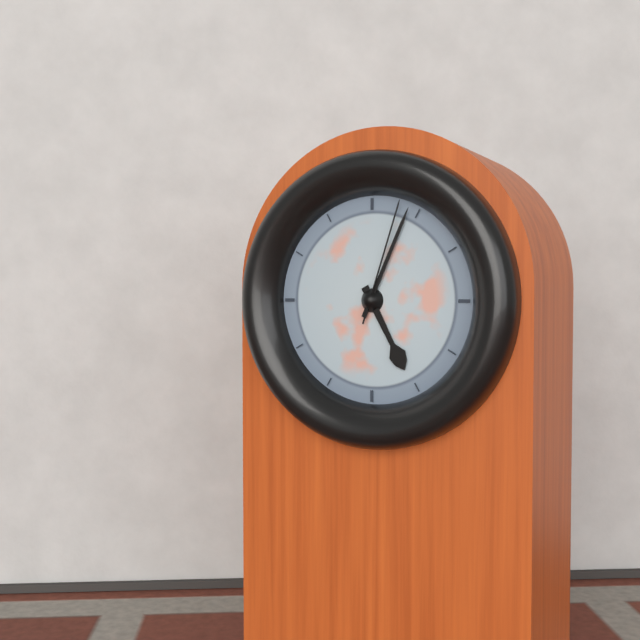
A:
h=5 m=4 s=3
